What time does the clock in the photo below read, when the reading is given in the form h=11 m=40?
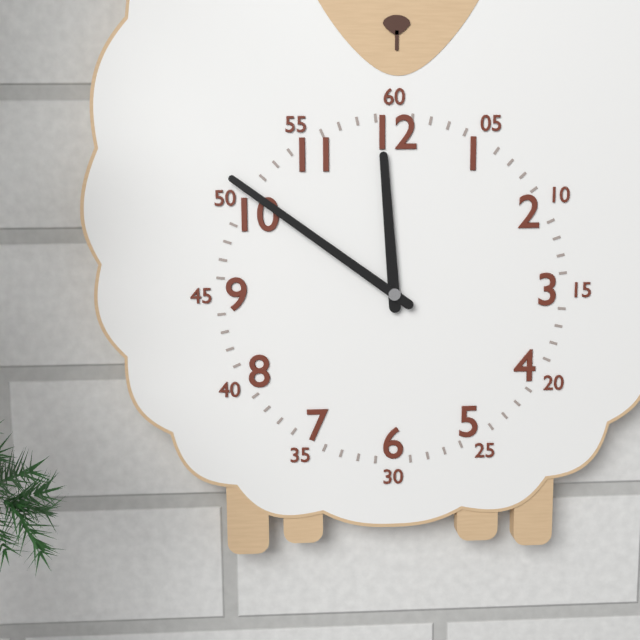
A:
h=11 m=51
